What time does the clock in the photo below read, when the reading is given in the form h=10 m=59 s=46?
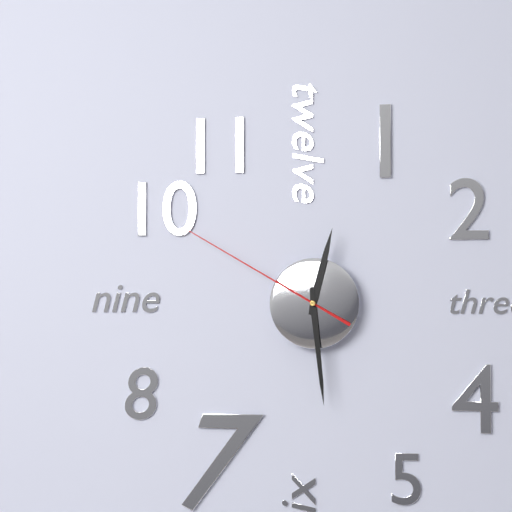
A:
h=12 m=29 s=50
